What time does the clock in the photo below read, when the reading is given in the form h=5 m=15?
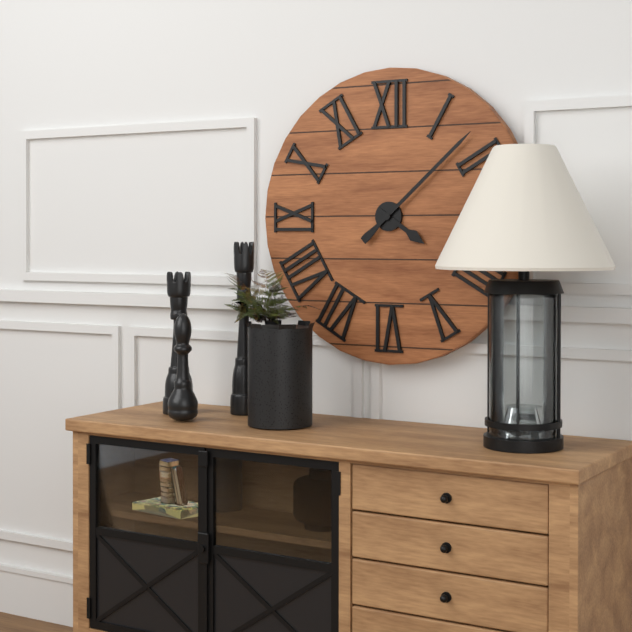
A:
h=4 m=8
